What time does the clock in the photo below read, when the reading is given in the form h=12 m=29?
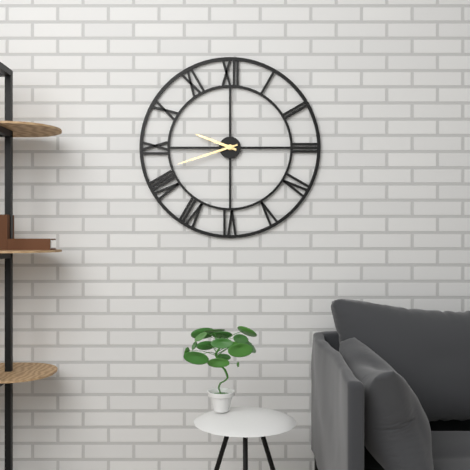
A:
h=9 m=42
